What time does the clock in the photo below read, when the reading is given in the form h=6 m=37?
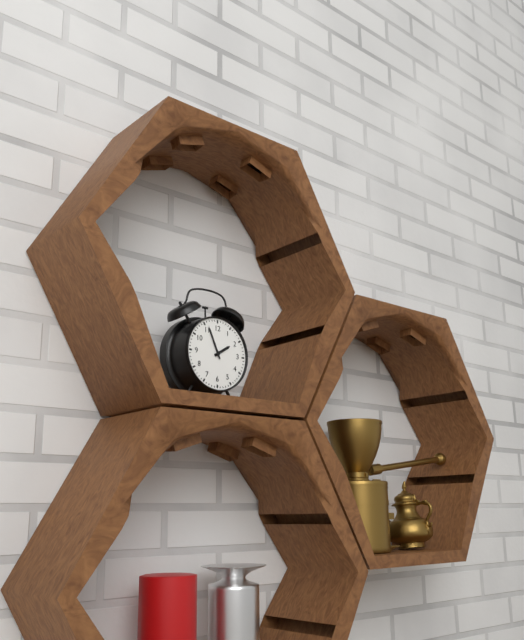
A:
h=1 m=56
